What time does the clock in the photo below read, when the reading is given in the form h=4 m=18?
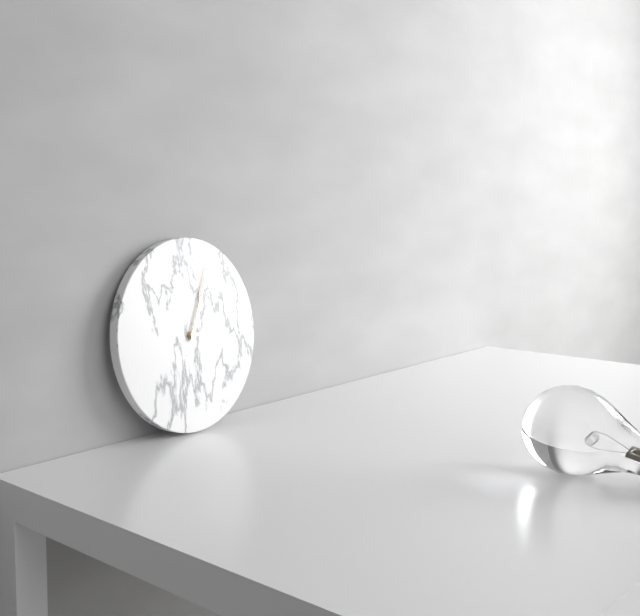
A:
h=3 m=4
